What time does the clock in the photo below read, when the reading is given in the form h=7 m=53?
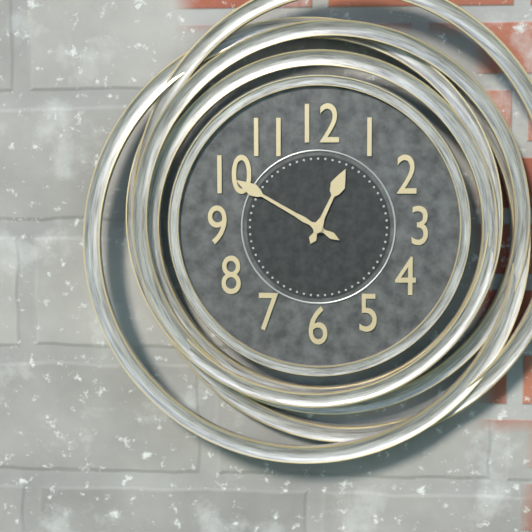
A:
h=12 m=50
